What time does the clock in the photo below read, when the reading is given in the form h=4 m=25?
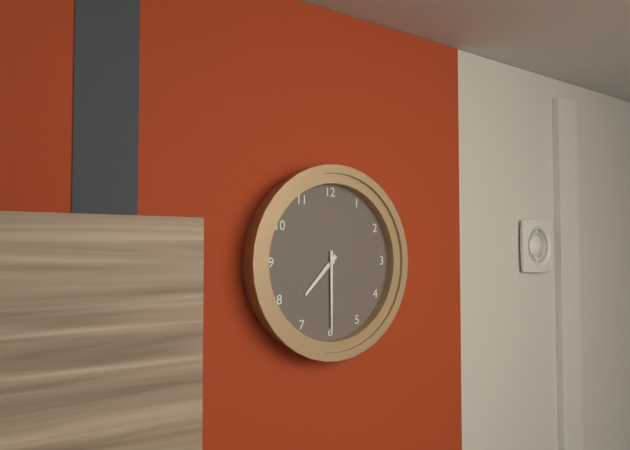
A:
h=7 m=30
